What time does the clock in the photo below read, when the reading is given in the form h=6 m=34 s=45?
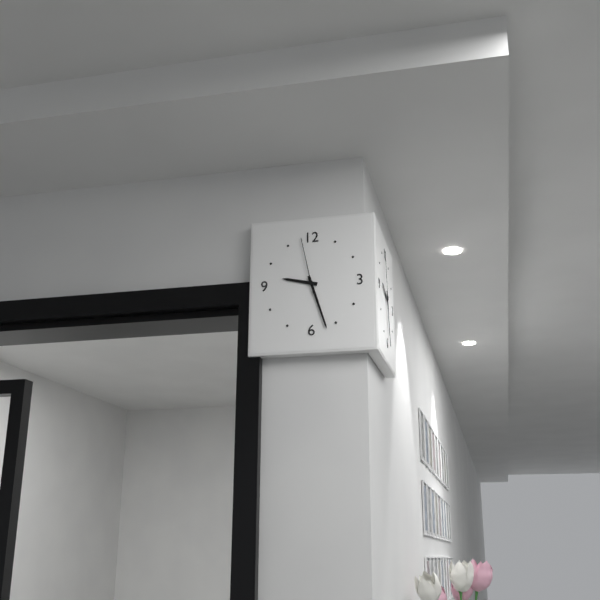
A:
h=9 m=27 s=58
